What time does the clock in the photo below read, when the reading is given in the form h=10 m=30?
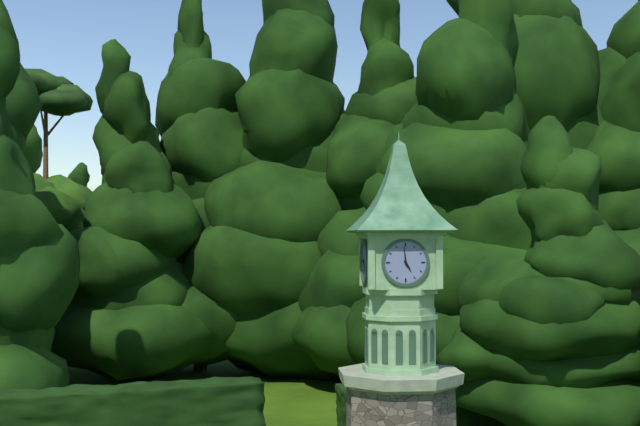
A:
h=4 m=59
